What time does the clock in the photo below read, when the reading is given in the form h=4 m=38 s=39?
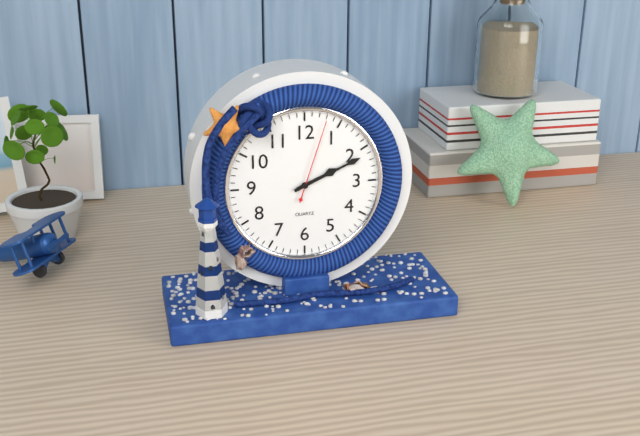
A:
h=2 m=11 s=3
